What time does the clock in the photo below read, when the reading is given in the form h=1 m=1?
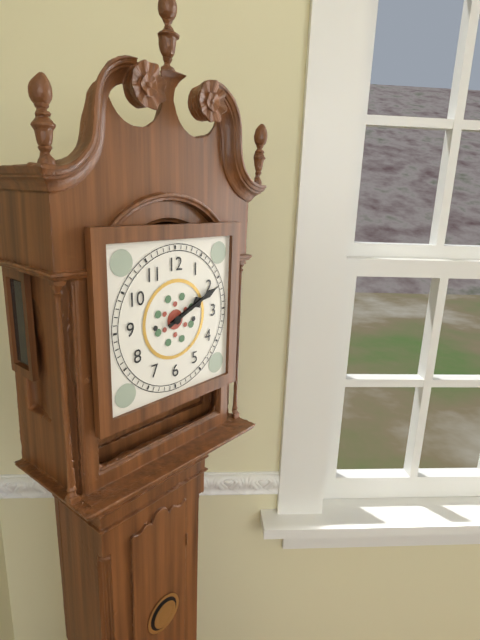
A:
h=2 m=11
